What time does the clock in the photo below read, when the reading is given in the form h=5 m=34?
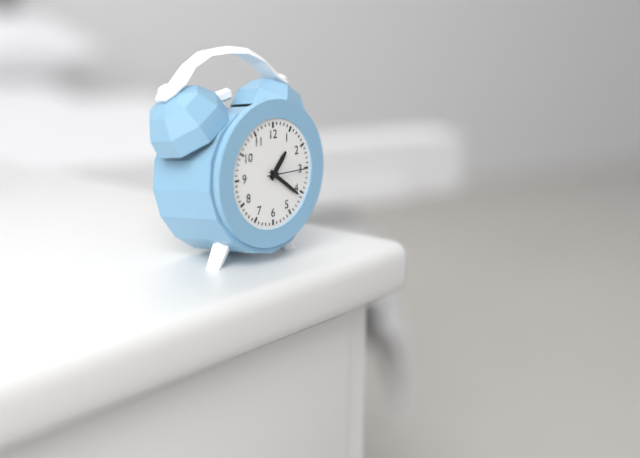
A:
h=1 m=21
